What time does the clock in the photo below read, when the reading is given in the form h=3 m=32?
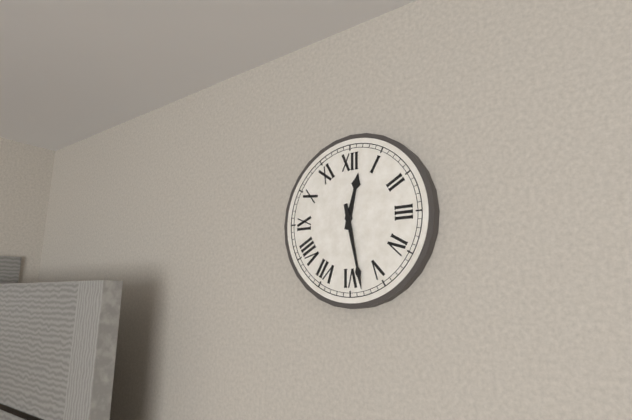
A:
h=12 m=28
